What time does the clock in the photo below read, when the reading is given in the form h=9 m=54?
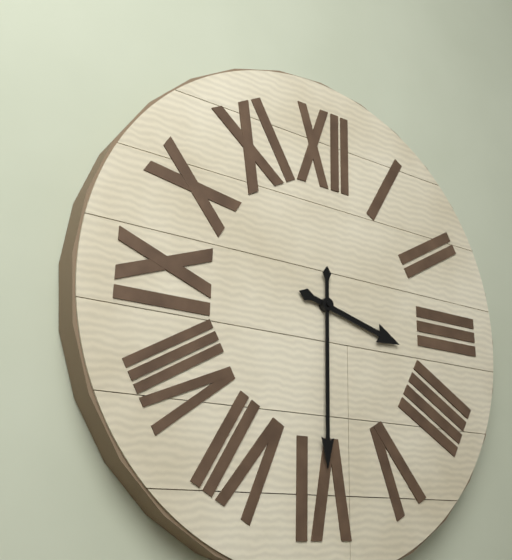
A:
h=3 m=30
